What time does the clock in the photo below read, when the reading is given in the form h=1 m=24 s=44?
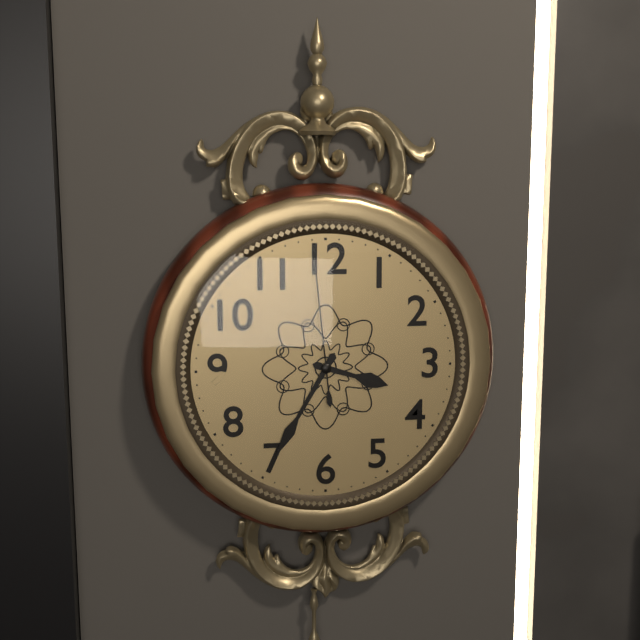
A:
h=3 m=35 s=59
